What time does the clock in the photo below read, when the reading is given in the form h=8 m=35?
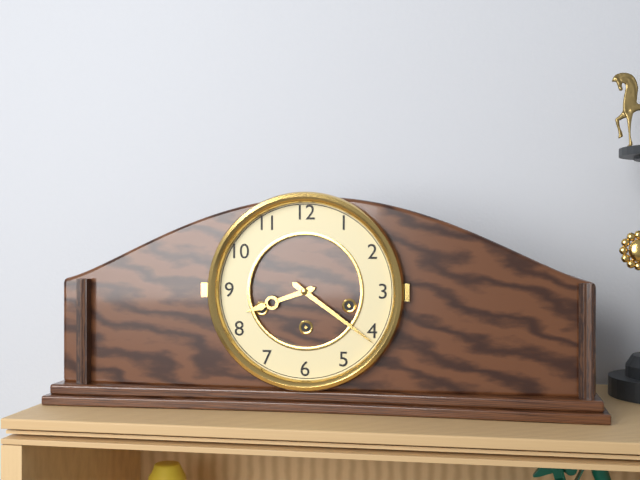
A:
h=8 m=21
